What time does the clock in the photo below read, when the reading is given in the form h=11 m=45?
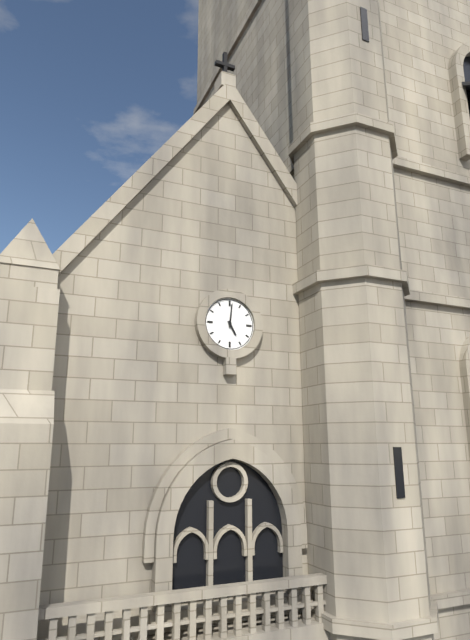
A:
h=5 m=1
